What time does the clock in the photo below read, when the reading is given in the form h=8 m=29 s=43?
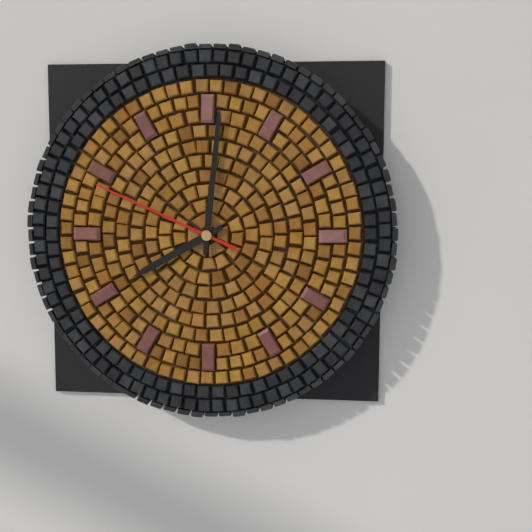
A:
h=8 m=1 s=49
